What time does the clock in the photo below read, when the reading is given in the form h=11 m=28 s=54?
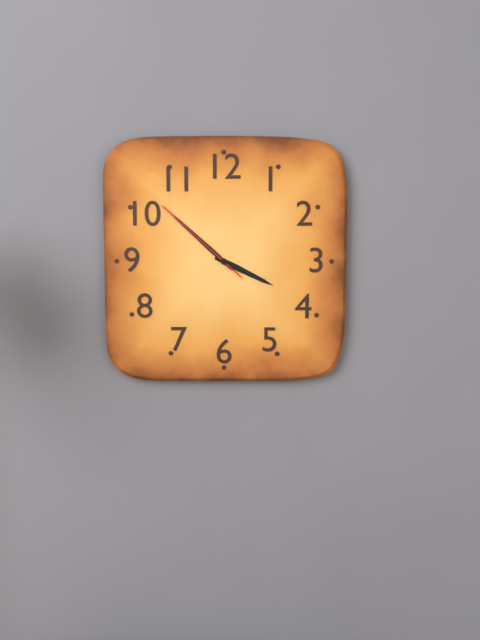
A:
h=3 m=52 s=52
